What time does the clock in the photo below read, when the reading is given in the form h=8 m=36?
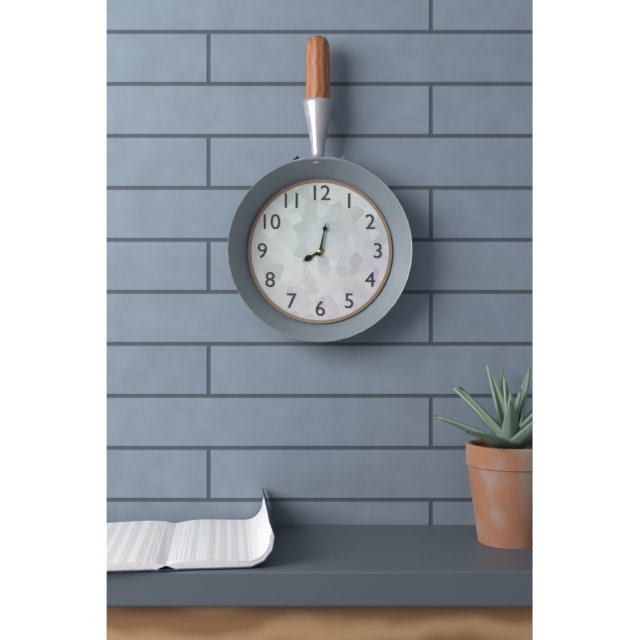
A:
h=8 m=2
